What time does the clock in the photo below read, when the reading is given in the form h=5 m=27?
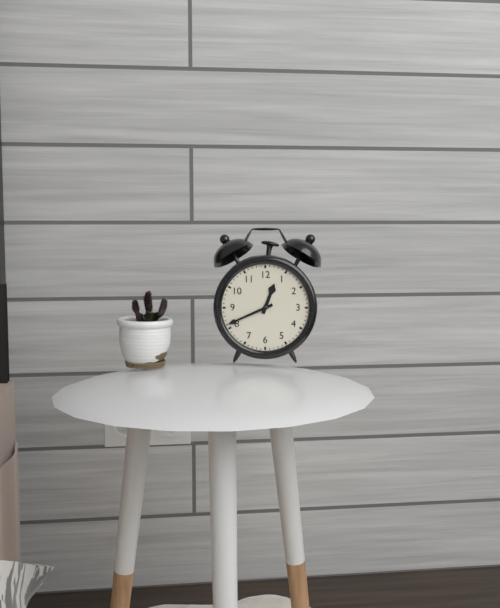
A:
h=12 m=41
